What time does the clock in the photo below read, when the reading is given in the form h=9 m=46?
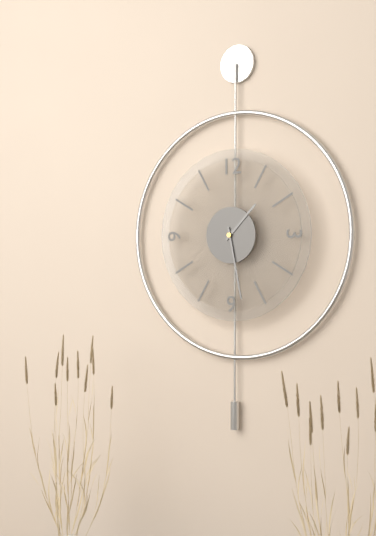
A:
h=1 m=28
